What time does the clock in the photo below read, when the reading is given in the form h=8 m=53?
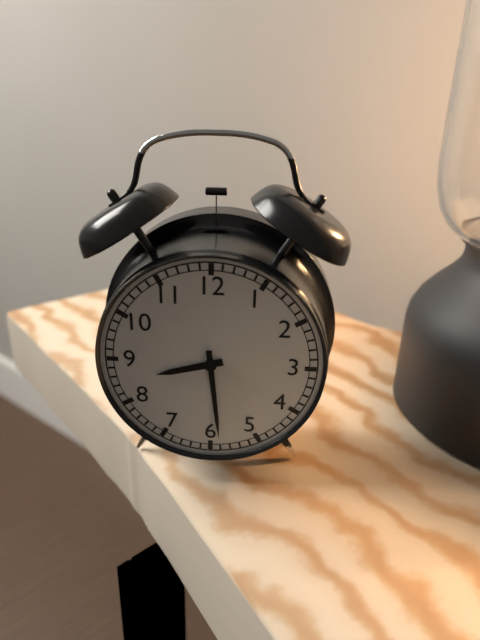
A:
h=8 m=29
